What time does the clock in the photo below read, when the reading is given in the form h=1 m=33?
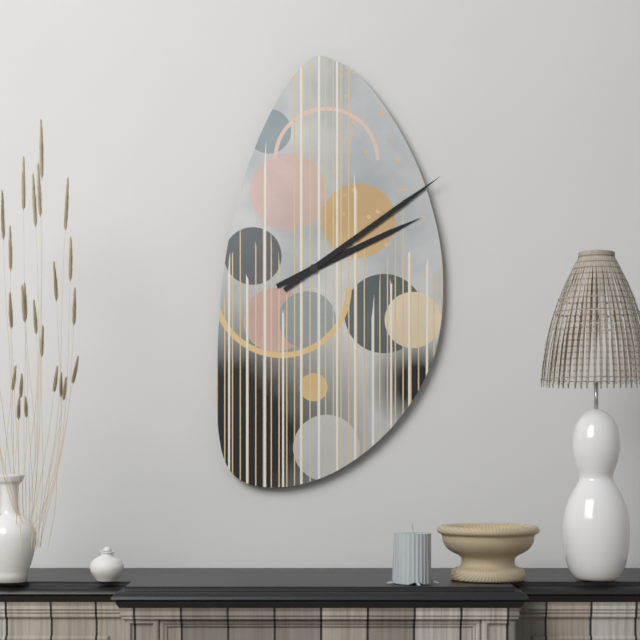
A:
h=2 m=9
